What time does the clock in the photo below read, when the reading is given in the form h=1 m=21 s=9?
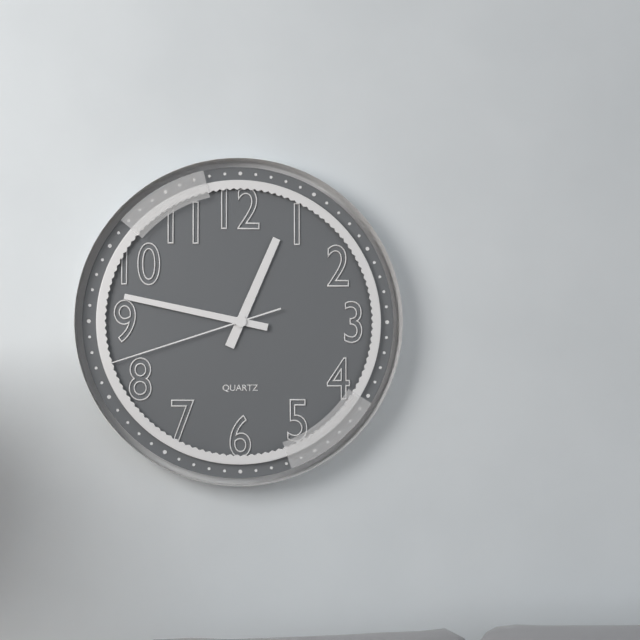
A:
h=12 m=47 s=42
